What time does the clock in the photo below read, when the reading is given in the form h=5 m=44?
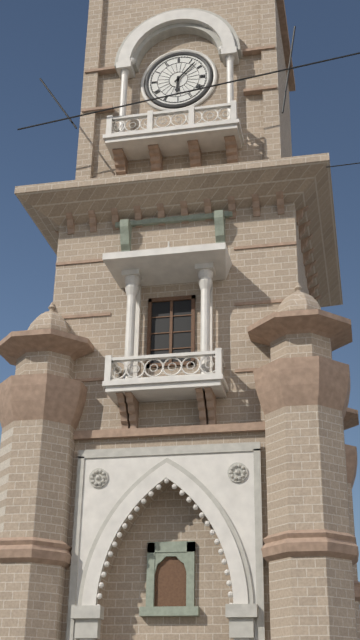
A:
h=6 m=7
